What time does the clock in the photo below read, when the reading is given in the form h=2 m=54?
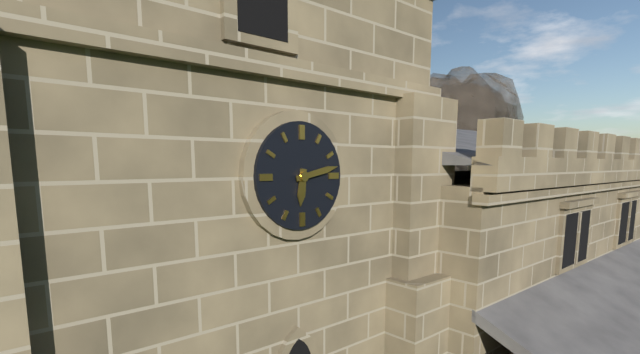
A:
h=6 m=13
